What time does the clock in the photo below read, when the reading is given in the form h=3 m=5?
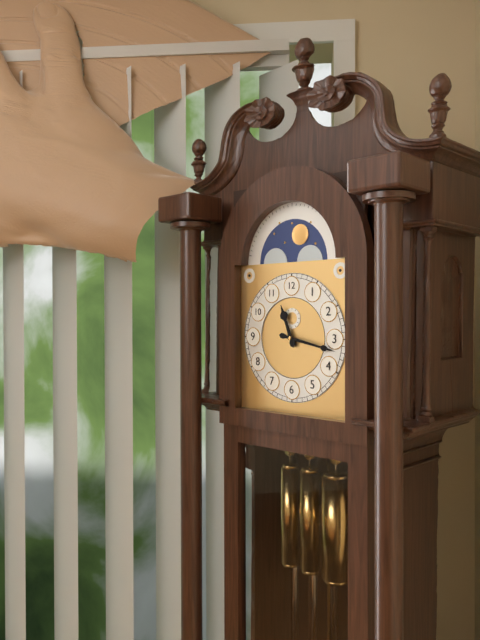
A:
h=11 m=17
